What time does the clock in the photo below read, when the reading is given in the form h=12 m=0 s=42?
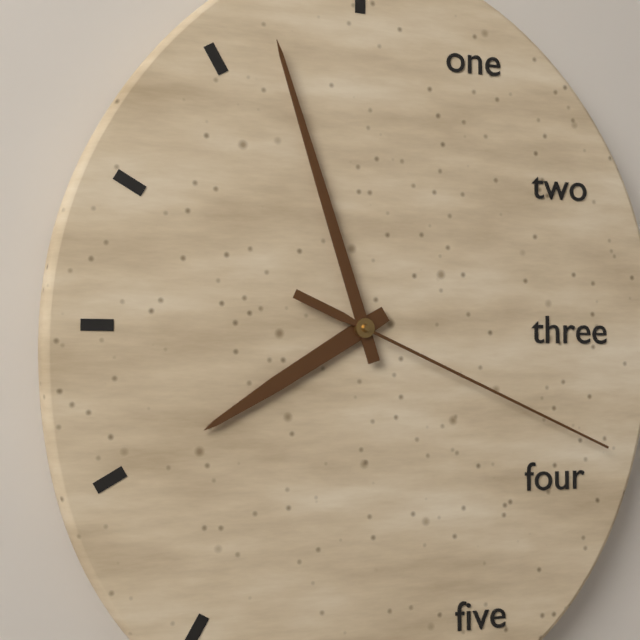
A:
h=7 m=57 s=19
